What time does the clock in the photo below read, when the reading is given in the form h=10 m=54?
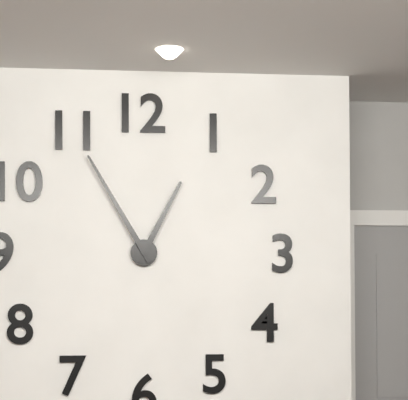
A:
h=12 m=55
